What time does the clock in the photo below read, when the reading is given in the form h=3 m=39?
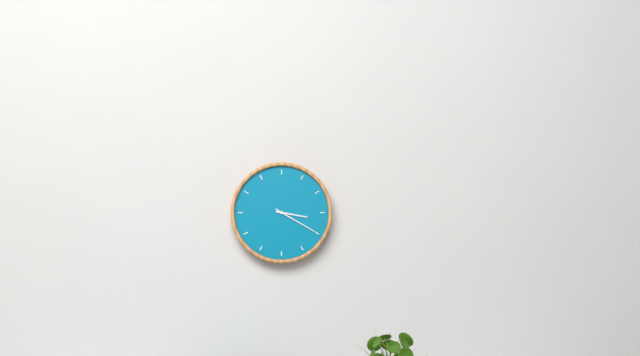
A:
h=3 m=20
